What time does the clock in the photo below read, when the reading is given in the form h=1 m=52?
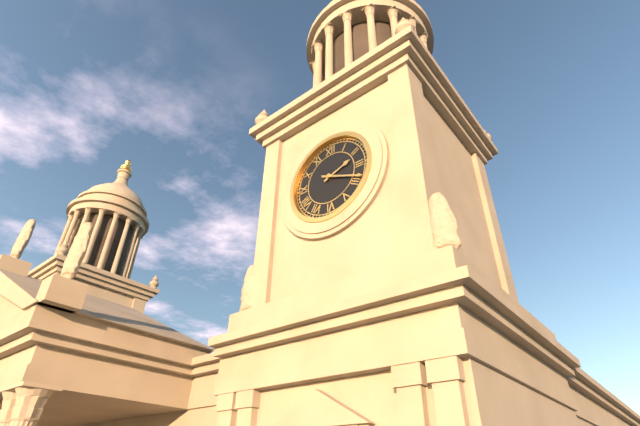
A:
h=2 m=19
